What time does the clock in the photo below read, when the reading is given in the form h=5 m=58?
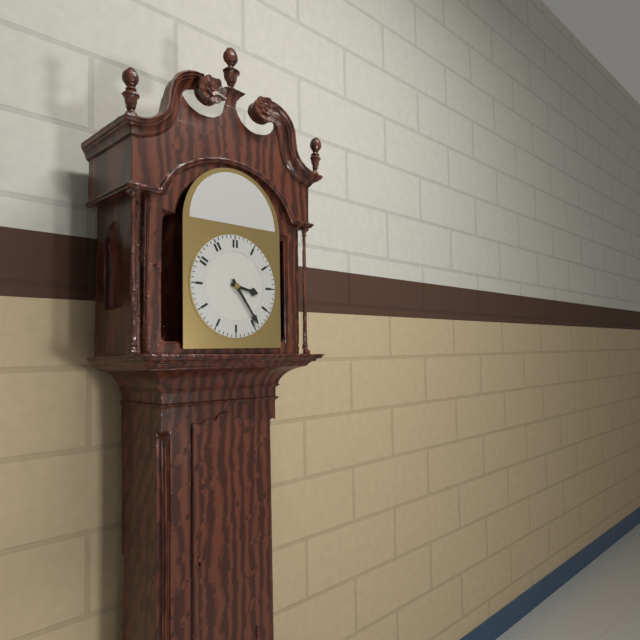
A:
h=3 m=24
